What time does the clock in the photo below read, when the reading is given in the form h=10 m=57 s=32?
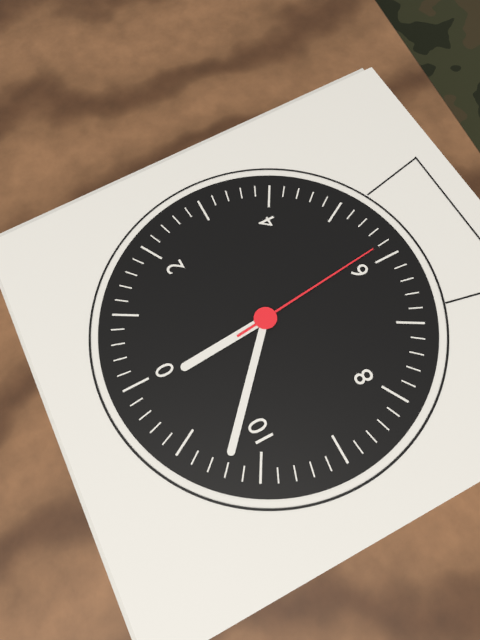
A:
h=11 m=52 s=29
